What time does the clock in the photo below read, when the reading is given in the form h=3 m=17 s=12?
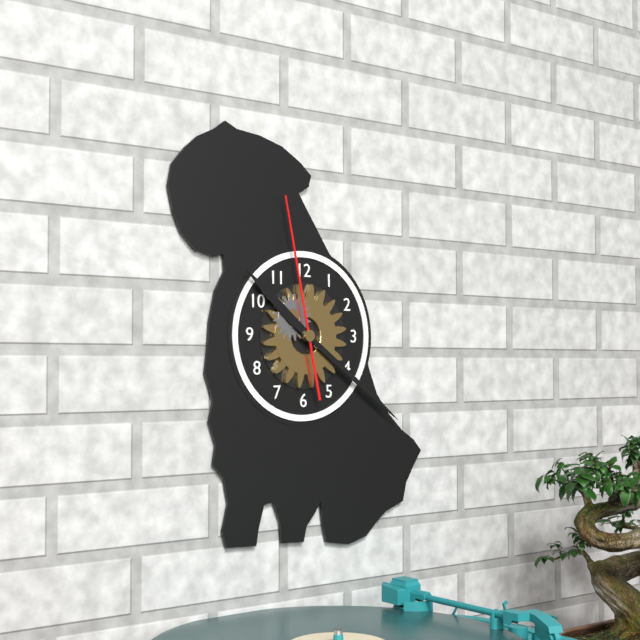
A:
h=10 m=21 s=58
